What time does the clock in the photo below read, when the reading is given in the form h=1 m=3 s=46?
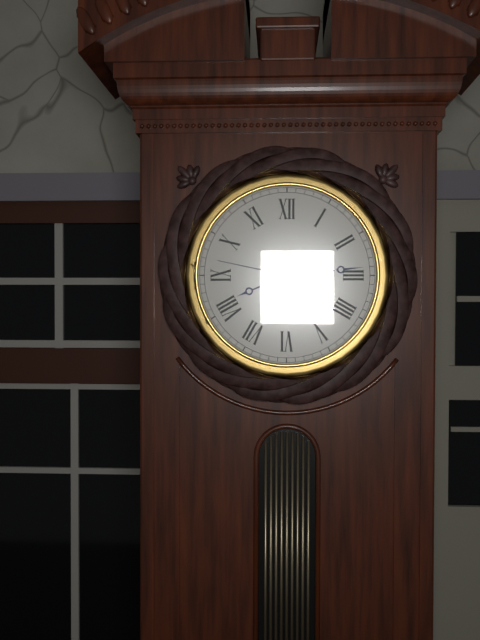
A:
h=8 m=14 s=47
